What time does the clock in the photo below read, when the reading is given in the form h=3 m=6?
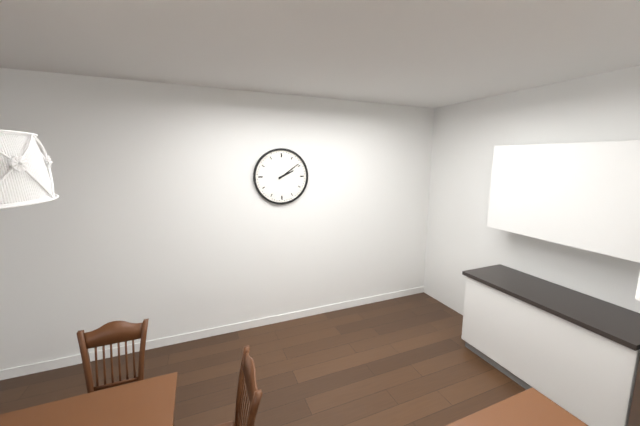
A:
h=2 m=9
